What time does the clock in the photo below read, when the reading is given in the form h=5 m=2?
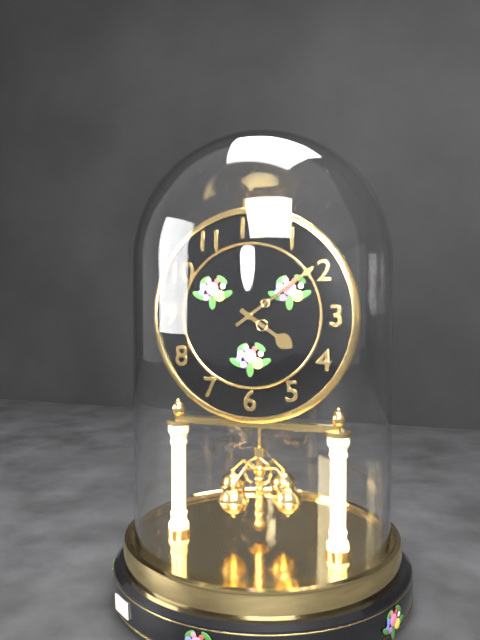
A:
h=4 m=9
